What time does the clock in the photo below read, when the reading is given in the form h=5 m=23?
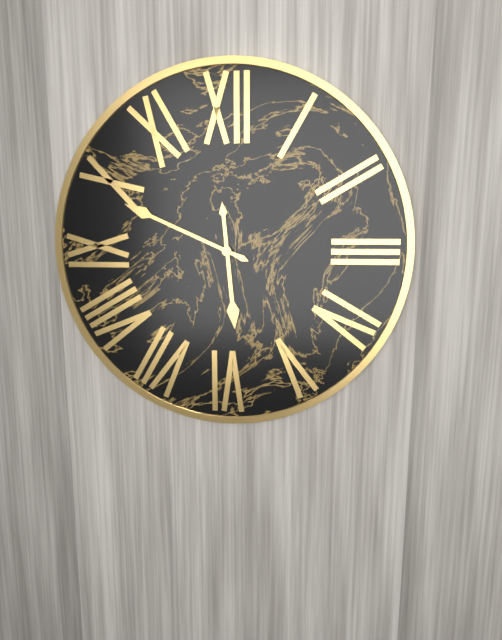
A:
h=5 m=49
